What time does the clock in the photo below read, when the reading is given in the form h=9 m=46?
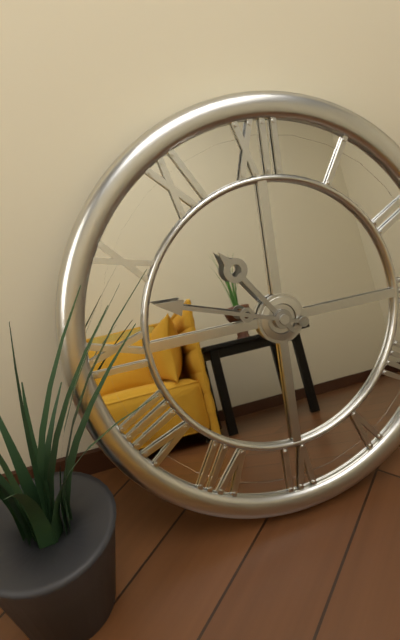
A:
h=10 m=48
